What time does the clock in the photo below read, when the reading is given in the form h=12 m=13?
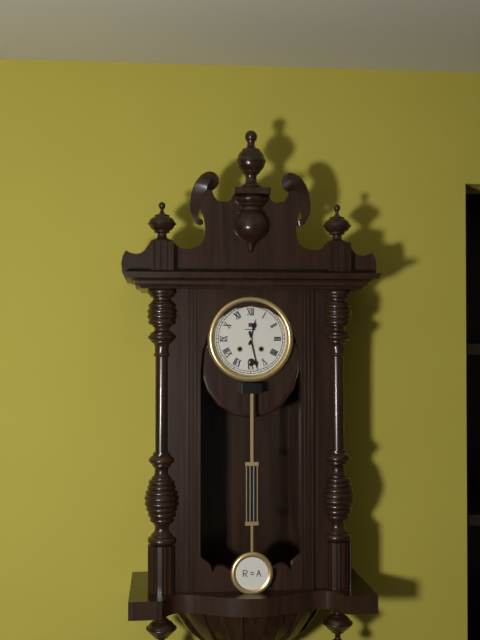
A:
h=12 m=28
